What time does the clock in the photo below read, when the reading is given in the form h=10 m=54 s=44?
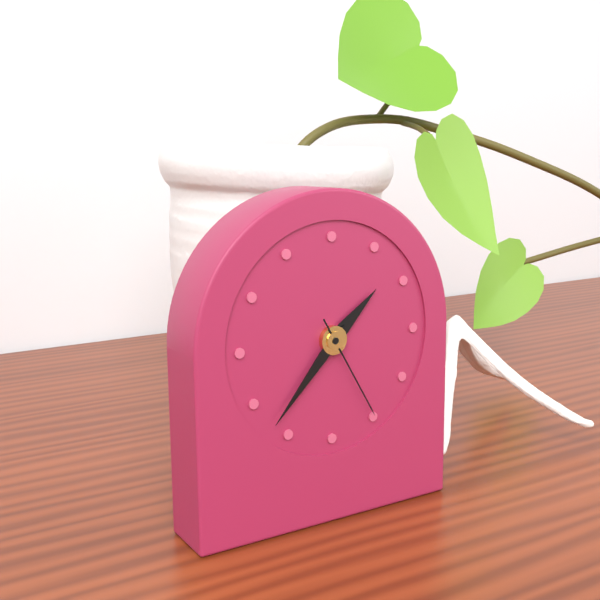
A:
h=1 m=37 s=25
